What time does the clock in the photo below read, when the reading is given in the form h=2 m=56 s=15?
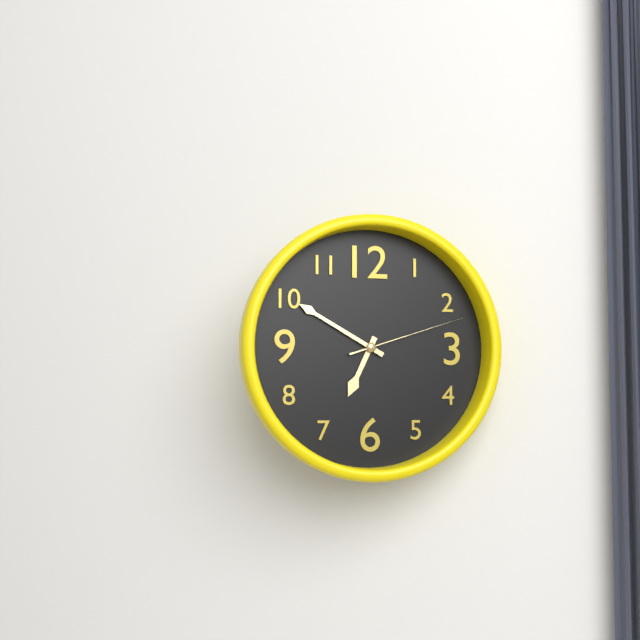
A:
h=6 m=50 s=12
